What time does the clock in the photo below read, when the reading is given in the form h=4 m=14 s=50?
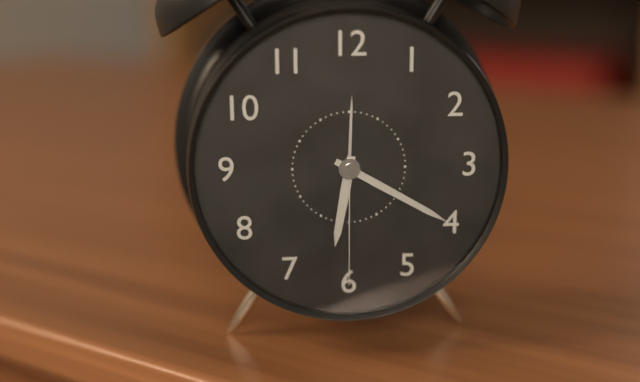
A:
h=6 m=20 s=30
